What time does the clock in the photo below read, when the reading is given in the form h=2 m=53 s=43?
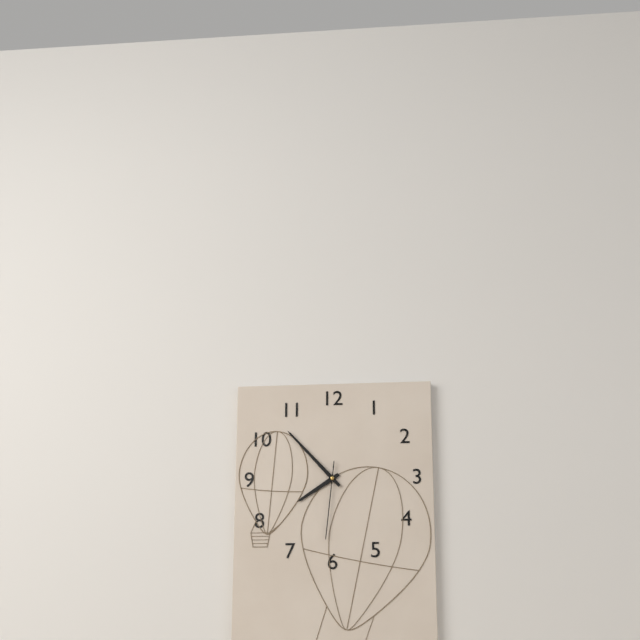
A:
h=7 m=53 s=31
